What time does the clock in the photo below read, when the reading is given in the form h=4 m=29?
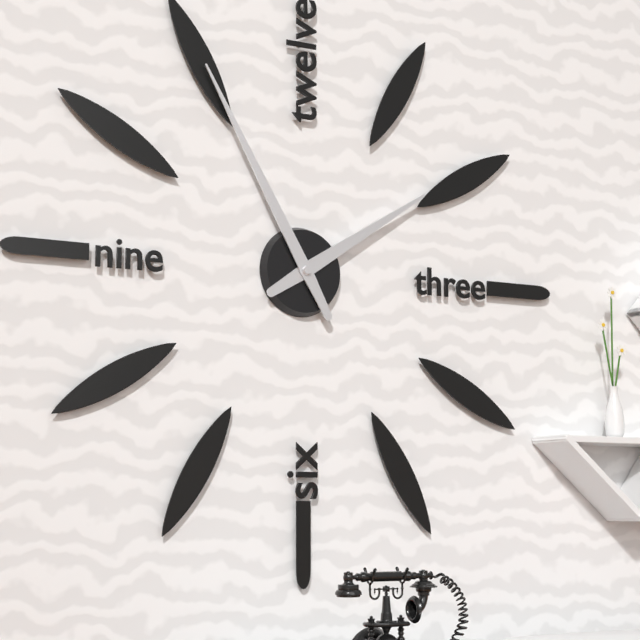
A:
h=1 m=55
